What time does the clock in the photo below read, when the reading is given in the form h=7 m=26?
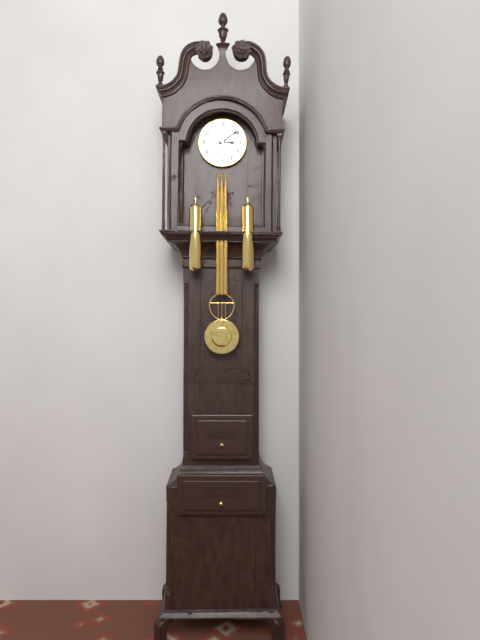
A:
h=3 m=9
